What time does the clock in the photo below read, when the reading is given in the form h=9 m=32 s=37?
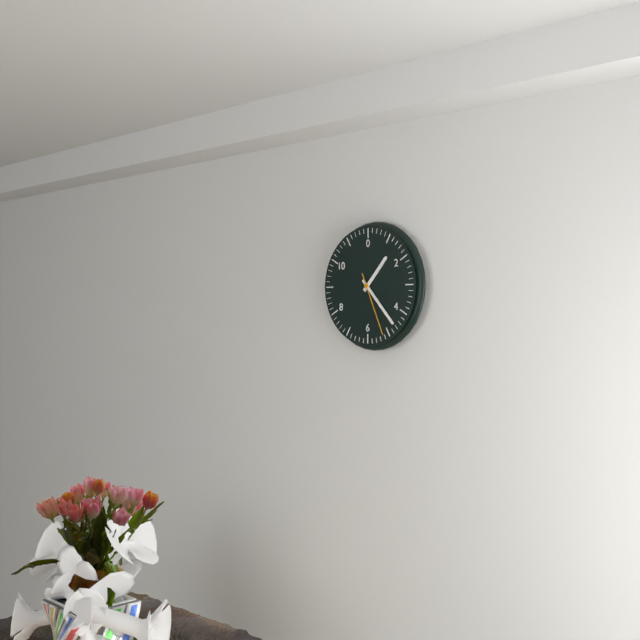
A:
h=1 m=23 s=26
